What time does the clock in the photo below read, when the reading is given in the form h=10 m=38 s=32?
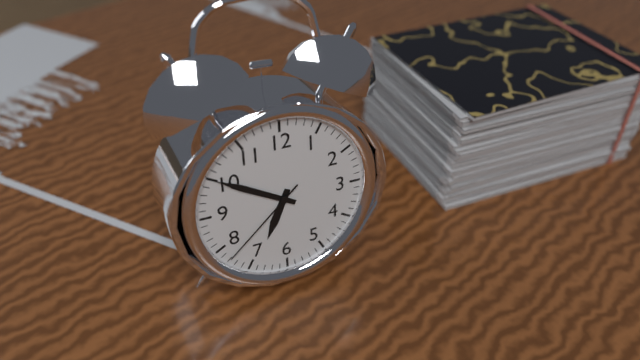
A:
h=6 m=50 s=38
